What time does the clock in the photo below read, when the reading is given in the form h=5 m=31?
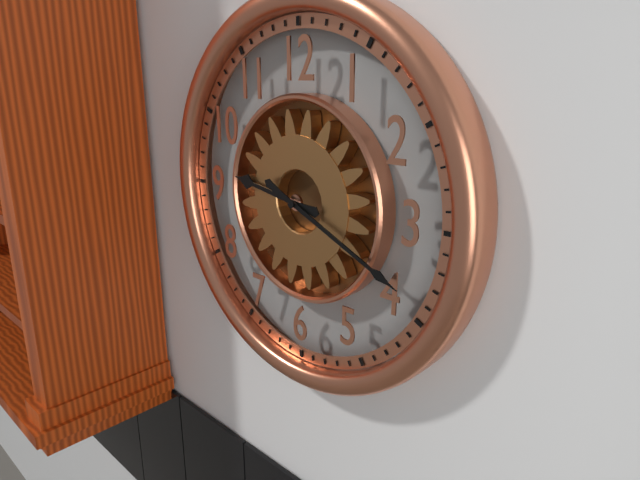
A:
h=9 m=19
